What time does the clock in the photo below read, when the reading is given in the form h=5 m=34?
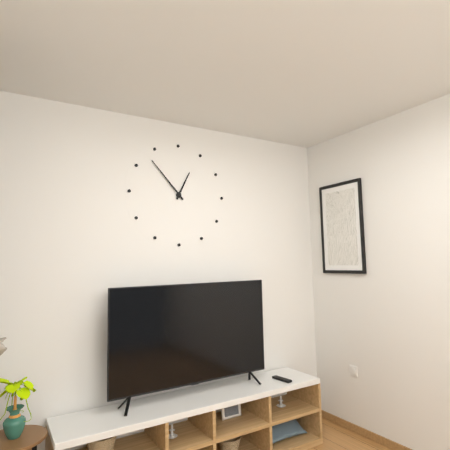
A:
h=12 m=53
